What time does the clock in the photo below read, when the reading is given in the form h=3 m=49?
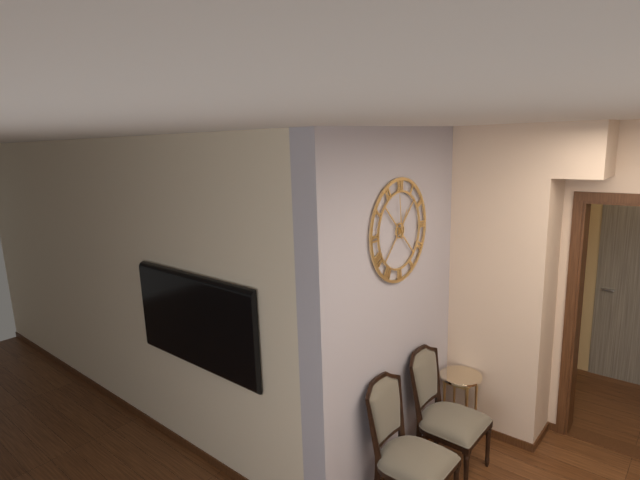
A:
h=12 m=59
